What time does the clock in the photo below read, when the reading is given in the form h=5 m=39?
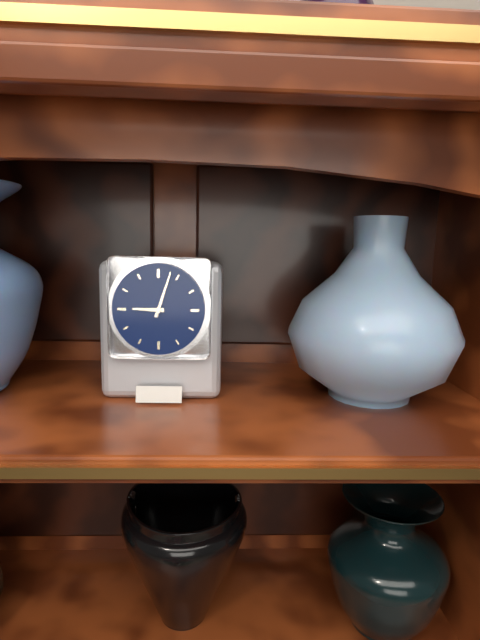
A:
h=9 m=3
